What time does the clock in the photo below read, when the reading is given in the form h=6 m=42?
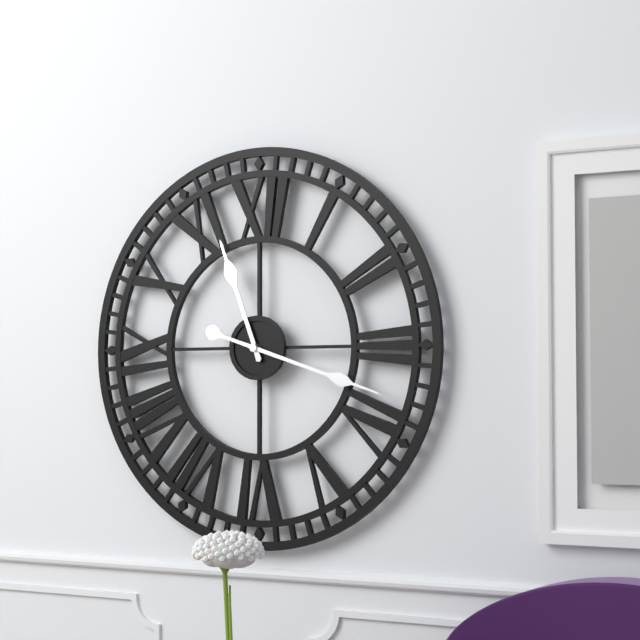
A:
h=11 m=18
